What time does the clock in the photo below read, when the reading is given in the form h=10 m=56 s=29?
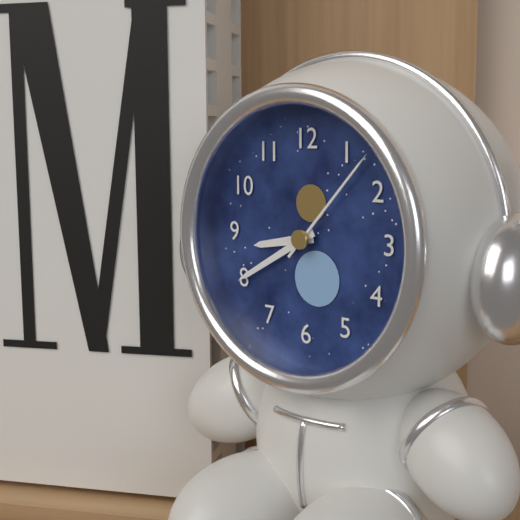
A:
h=8 m=40 s=7
